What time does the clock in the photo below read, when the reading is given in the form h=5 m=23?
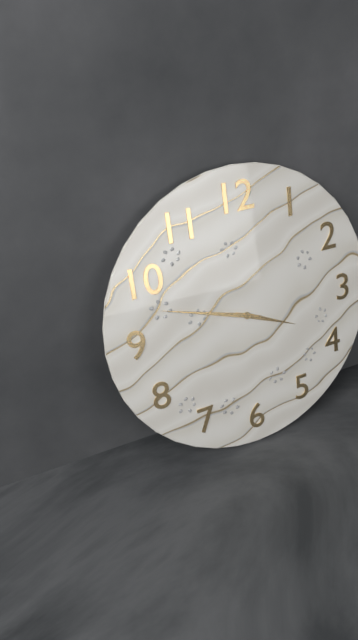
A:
h=3 m=48
